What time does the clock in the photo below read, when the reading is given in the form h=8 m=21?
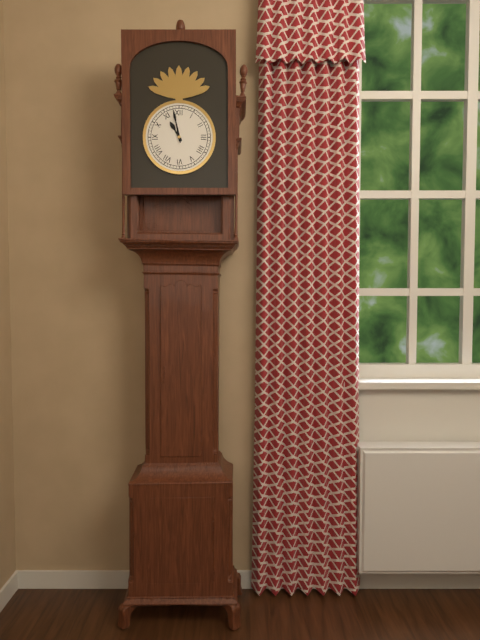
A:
h=10 m=58
